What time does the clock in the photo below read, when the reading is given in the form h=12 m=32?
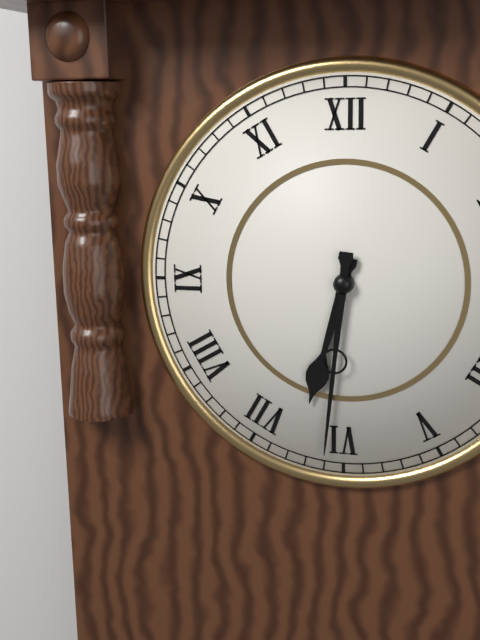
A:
h=6 m=31
